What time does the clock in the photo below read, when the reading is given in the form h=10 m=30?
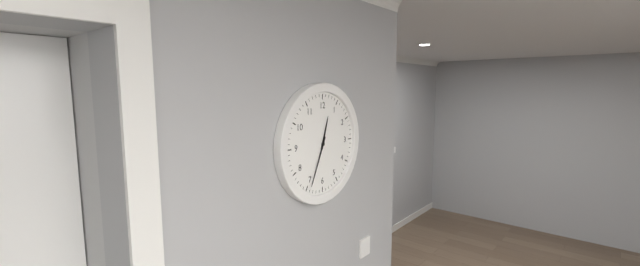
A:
h=12 m=34
